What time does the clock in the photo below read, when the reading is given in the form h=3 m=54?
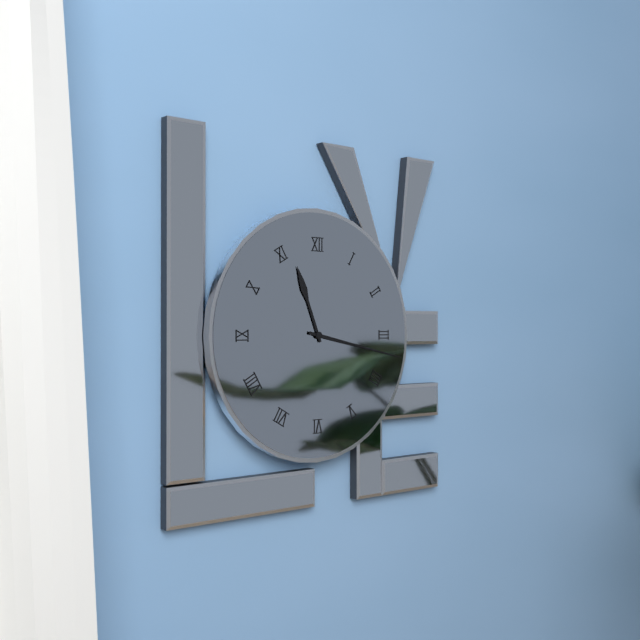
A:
h=11 m=17
